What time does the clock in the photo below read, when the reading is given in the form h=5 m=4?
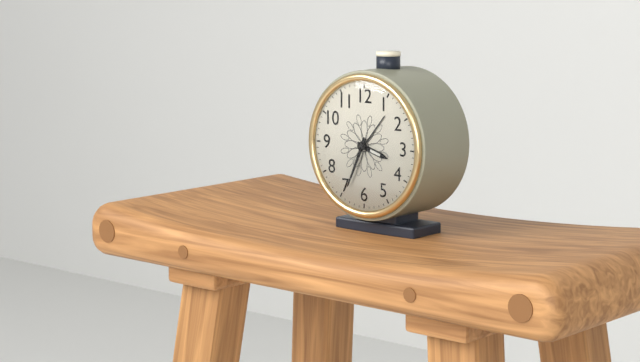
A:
h=3 m=34
